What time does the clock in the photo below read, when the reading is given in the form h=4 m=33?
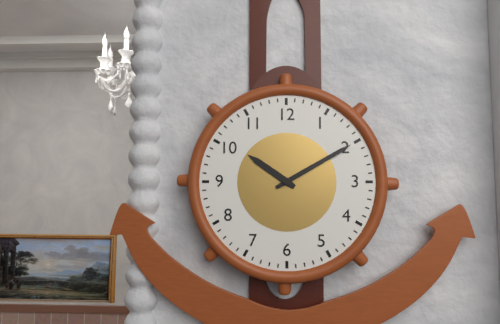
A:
h=10 m=10
